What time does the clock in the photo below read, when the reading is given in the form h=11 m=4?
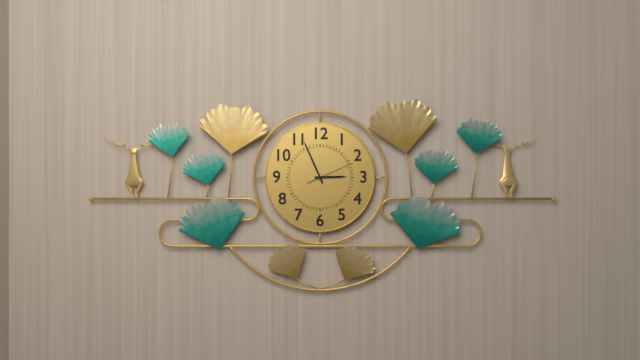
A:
h=2 m=56
